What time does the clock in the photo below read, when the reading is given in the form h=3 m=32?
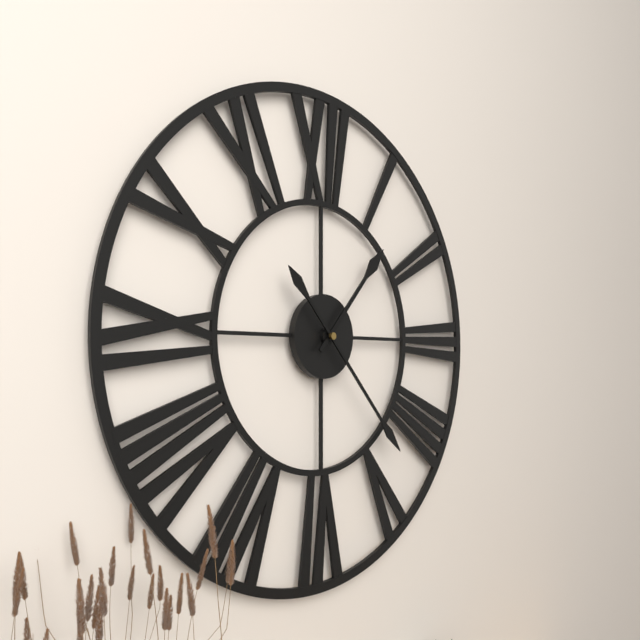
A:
h=1 m=23
